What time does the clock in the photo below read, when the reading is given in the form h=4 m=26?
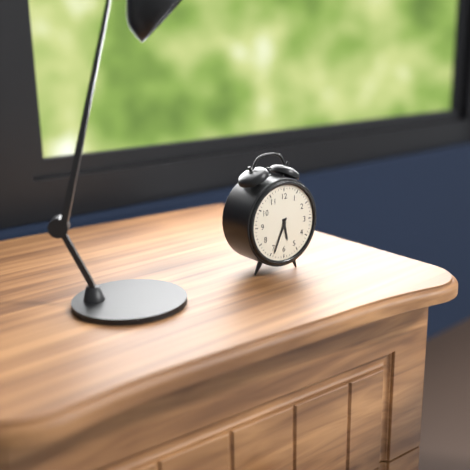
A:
h=5 m=34
